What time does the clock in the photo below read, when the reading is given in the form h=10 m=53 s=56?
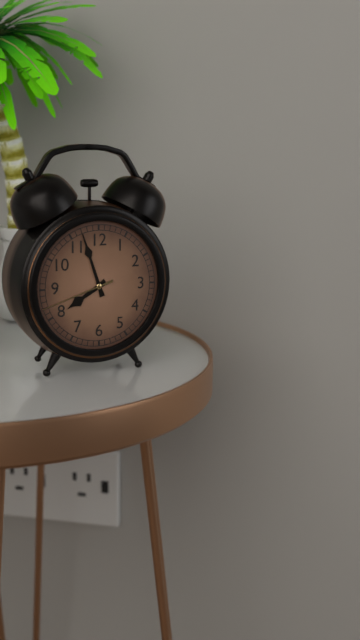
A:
h=7 m=57 s=42
